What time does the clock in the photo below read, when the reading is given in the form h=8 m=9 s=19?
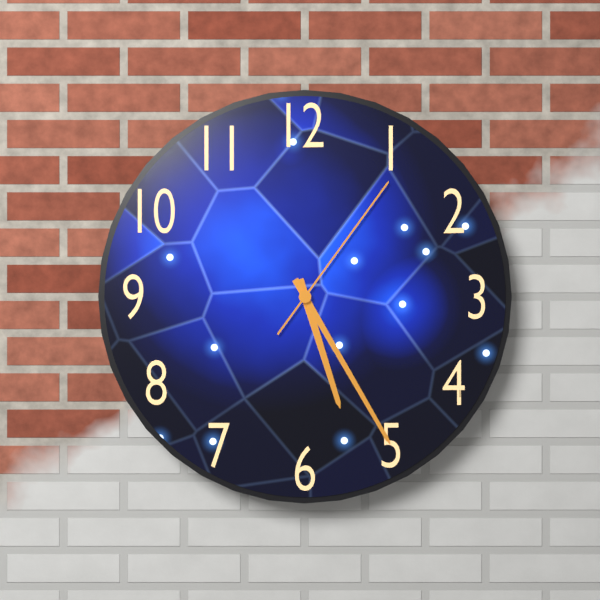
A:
h=5 m=25 s=6
